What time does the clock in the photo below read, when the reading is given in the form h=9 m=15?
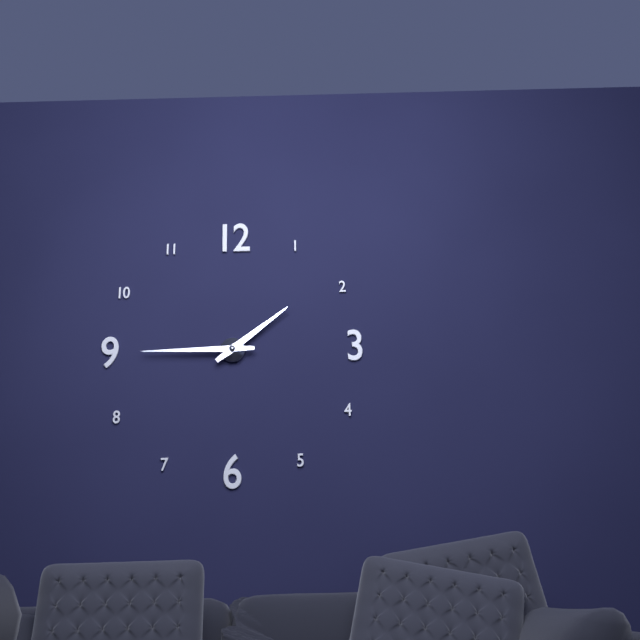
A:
h=1 m=45
